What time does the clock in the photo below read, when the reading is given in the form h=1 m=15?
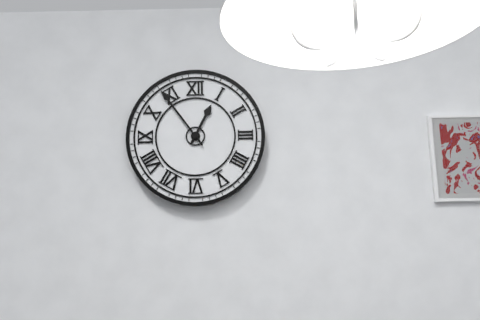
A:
h=12 m=54
